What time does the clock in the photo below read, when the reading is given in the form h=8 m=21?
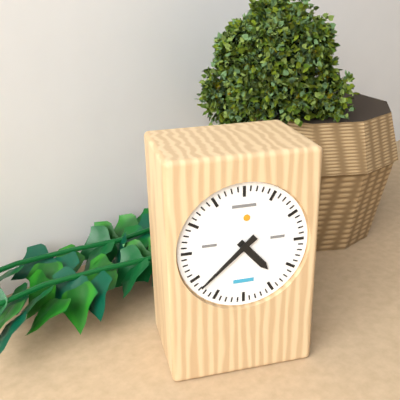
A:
h=4 m=38
